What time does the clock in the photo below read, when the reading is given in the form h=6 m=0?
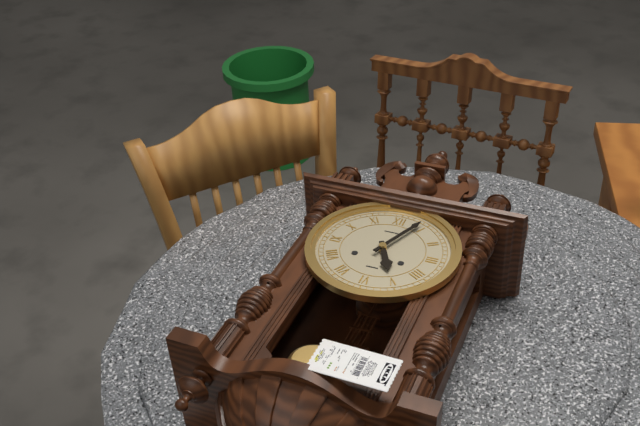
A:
h=5 m=4
